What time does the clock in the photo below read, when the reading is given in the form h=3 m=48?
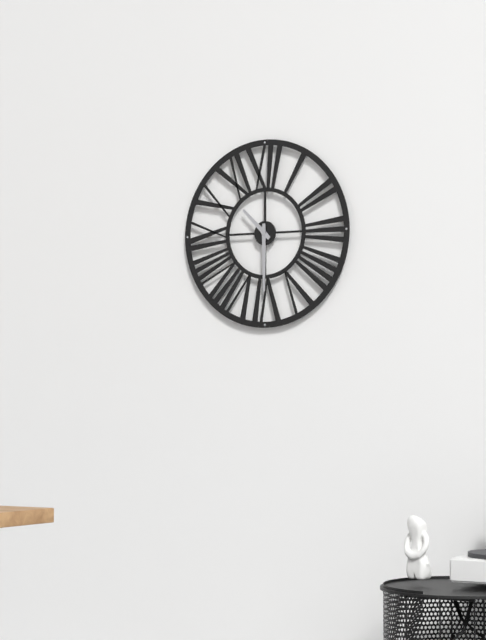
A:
h=10 m=30
